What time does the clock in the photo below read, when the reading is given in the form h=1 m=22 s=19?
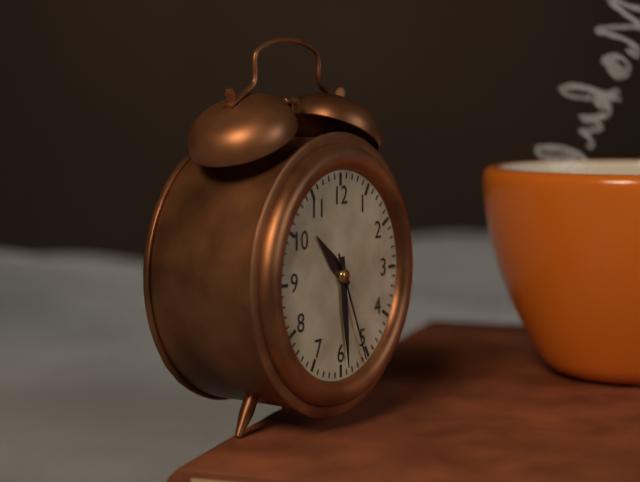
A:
h=10 m=29 s=26
